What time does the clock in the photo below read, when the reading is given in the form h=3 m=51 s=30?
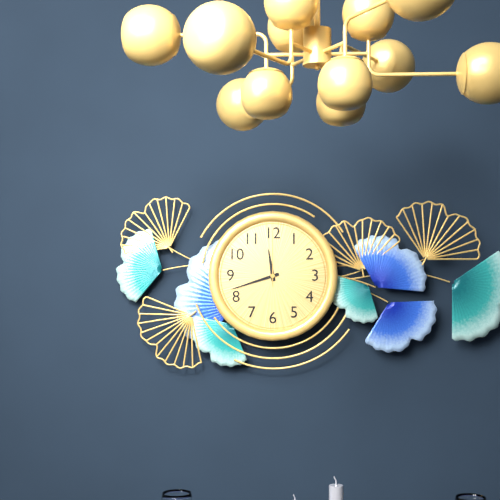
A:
h=11 m=42 s=0
